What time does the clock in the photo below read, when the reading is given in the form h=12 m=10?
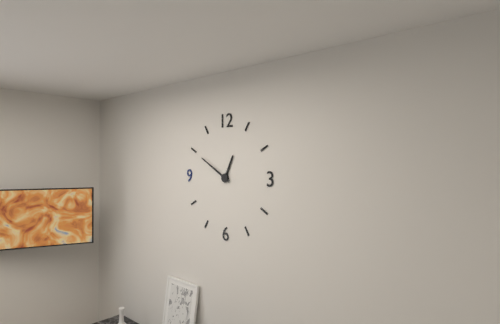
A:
h=12 m=50
